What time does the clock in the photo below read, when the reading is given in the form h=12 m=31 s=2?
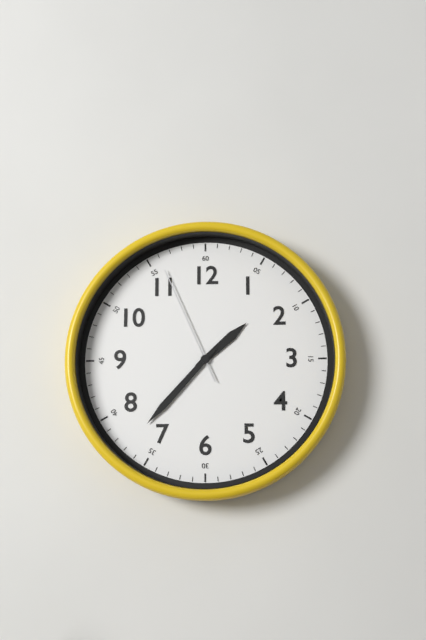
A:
h=1 m=37 s=56
